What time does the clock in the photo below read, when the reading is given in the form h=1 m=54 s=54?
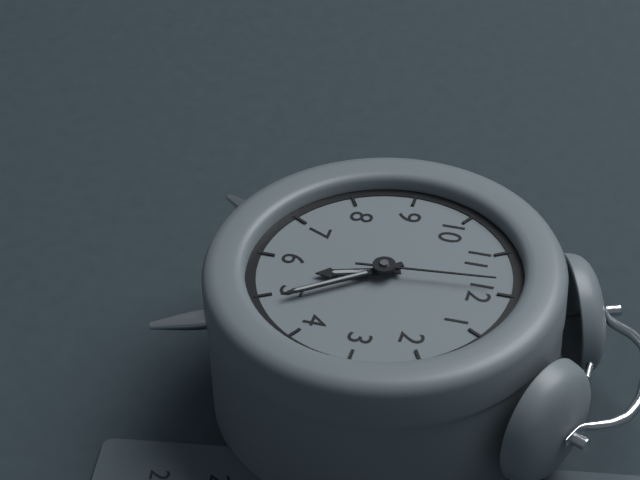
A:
h=5 m=24 s=59
